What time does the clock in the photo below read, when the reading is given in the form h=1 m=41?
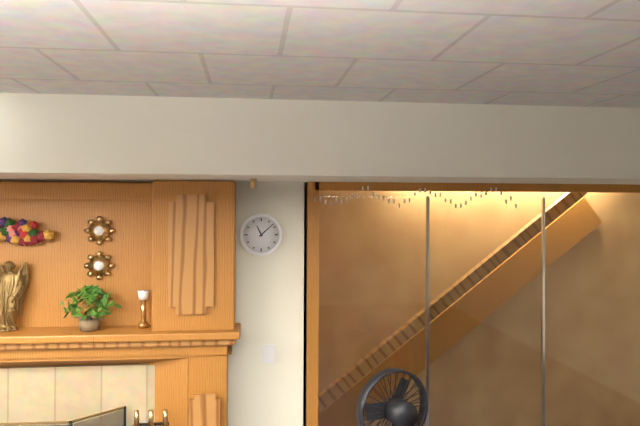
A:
h=11 m=8
